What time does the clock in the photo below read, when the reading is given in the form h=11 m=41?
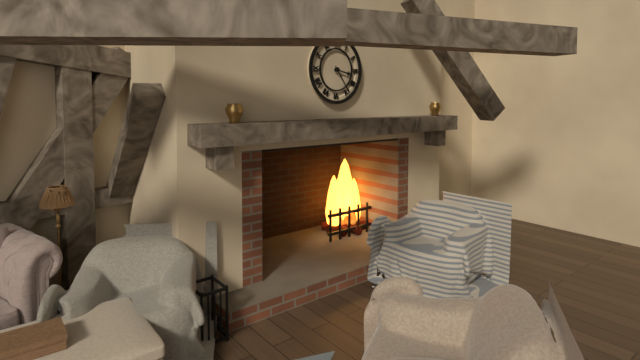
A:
h=3 m=24
